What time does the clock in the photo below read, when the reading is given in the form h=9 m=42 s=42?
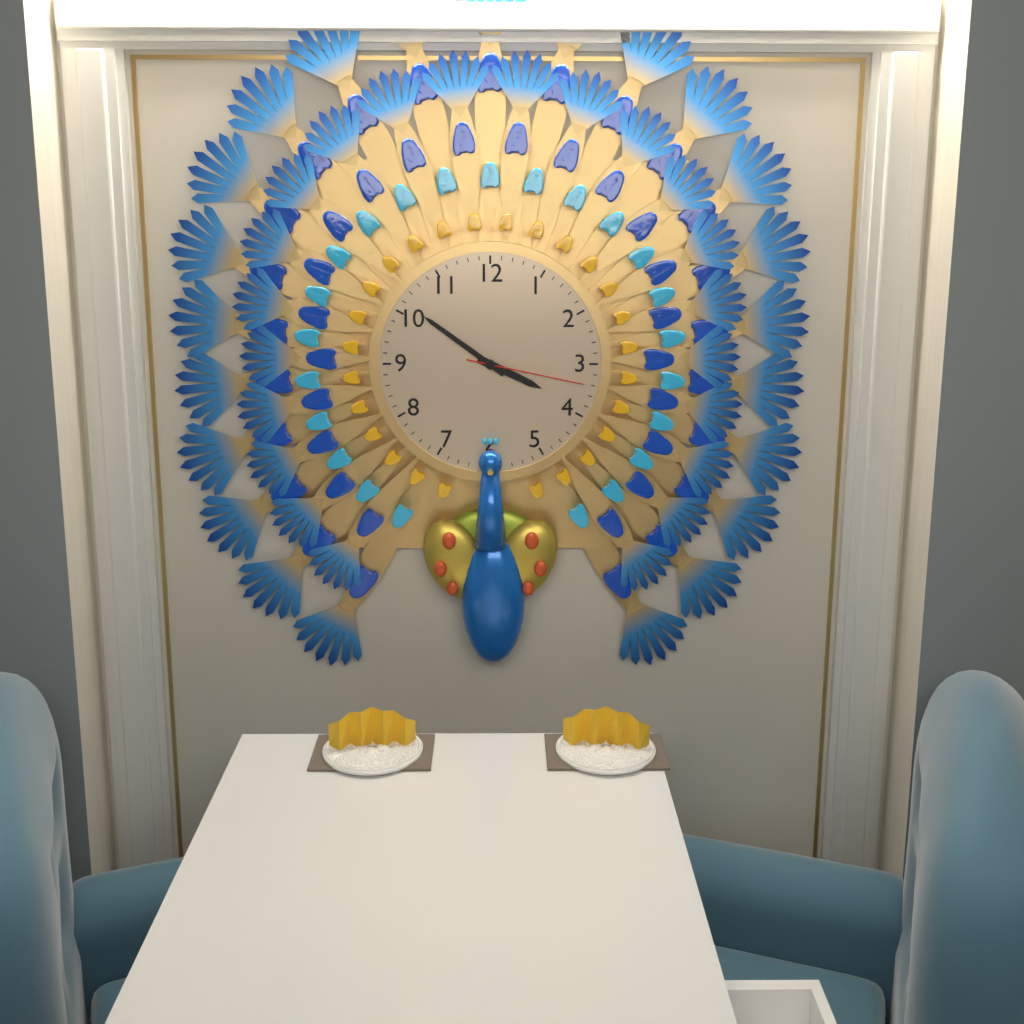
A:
h=3 m=51 s=17
